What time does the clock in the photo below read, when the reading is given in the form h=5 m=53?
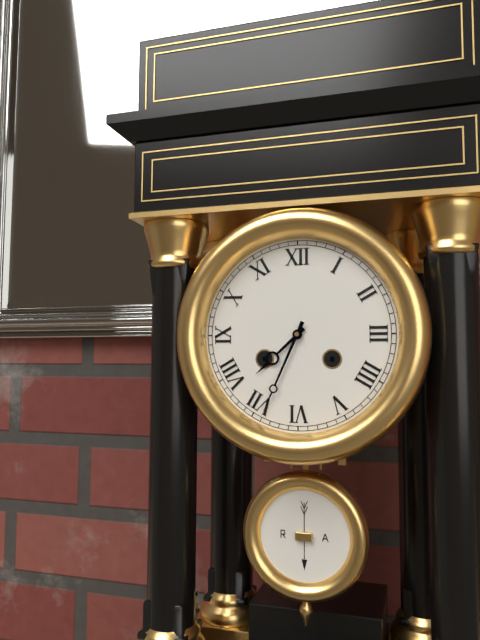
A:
h=7 m=34
